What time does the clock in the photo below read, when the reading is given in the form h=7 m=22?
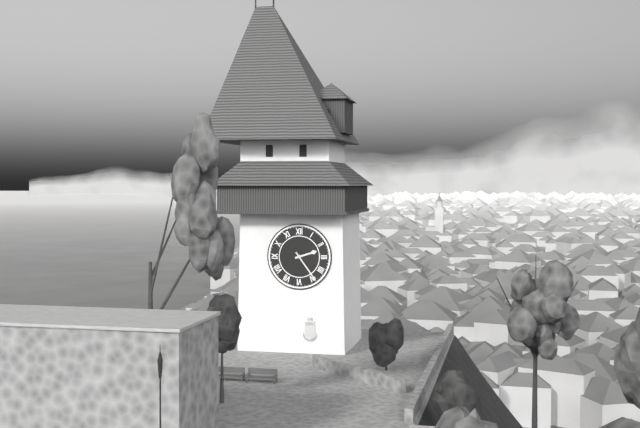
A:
h=2 m=24
